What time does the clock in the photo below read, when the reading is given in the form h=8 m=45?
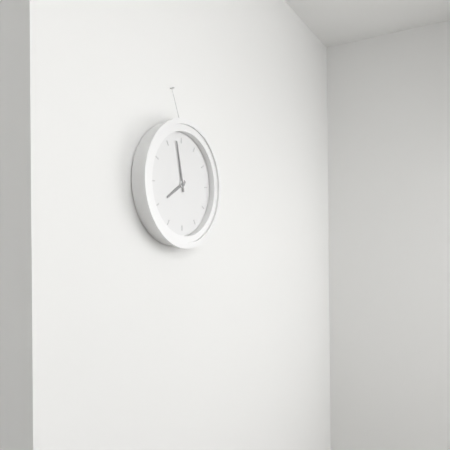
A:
h=7 m=58
